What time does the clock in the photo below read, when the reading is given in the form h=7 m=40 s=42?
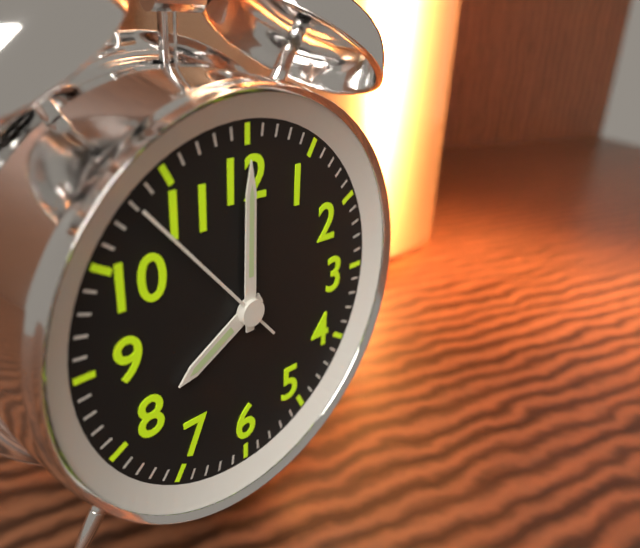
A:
h=8 m=0 s=53
